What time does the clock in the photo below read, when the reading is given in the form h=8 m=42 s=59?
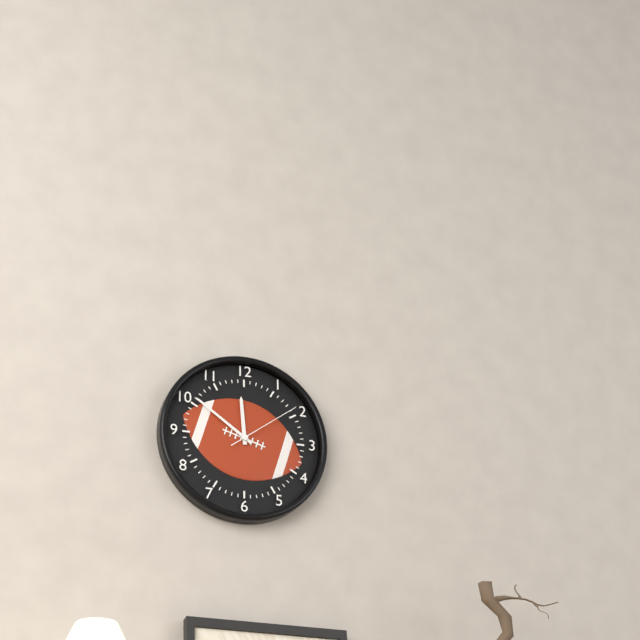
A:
h=11 m=51 s=9
